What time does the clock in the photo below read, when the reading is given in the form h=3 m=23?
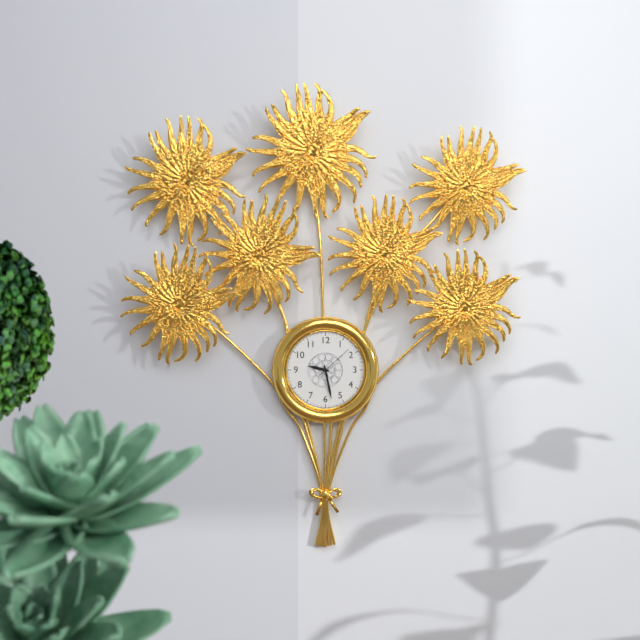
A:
h=9 m=28
